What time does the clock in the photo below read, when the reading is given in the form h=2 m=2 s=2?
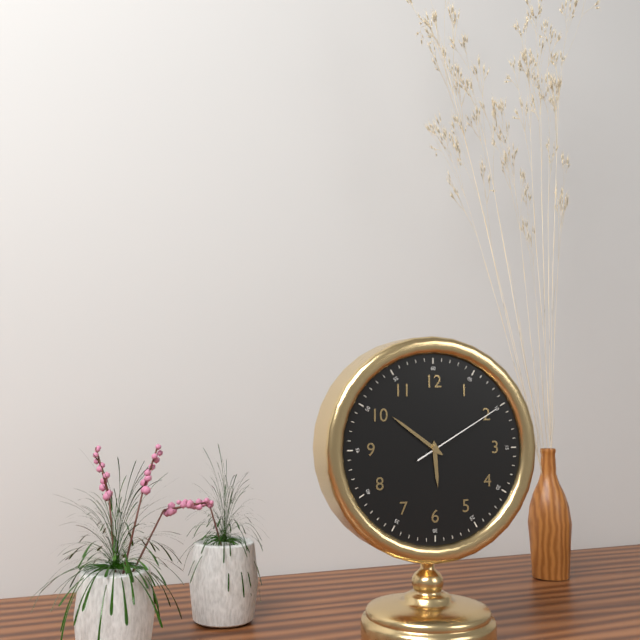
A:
h=5 m=51 s=10
